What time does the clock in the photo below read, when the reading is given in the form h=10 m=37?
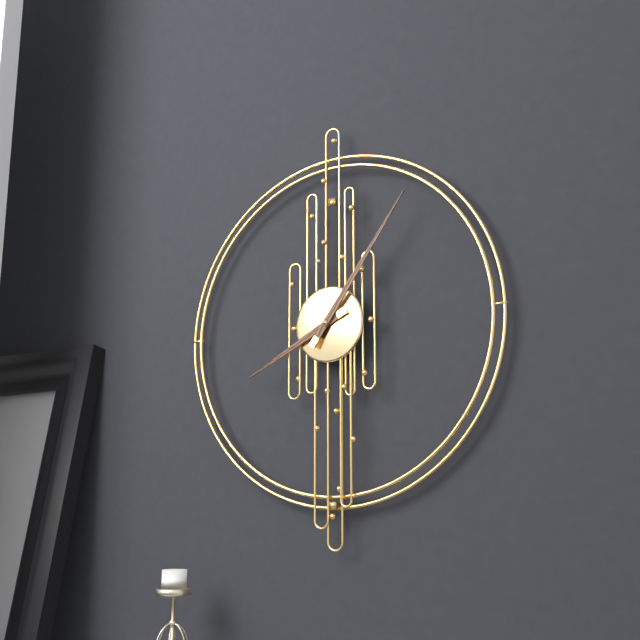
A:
h=8 m=6
